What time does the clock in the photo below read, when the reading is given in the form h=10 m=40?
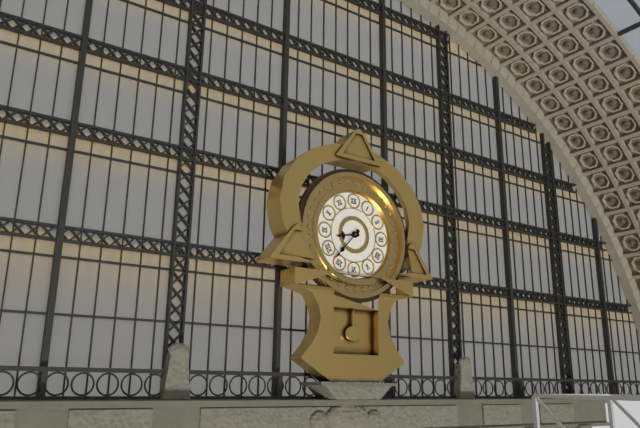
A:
h=8 m=37
